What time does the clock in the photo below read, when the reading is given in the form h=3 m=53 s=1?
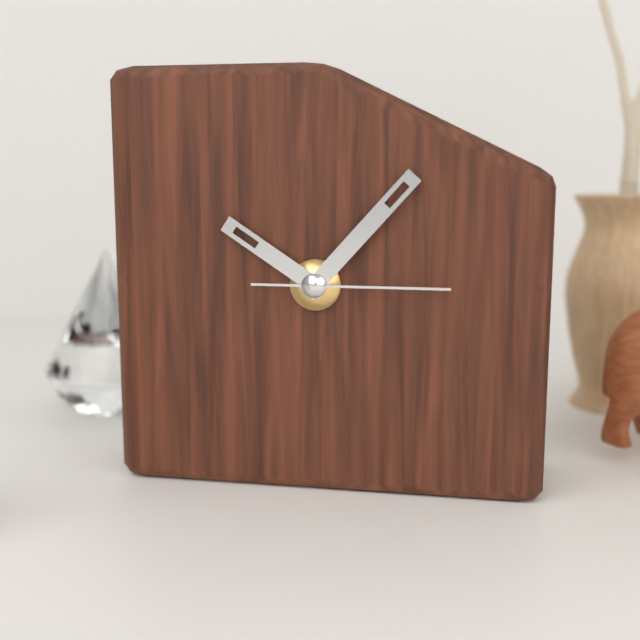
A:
h=10 m=7 s=15
